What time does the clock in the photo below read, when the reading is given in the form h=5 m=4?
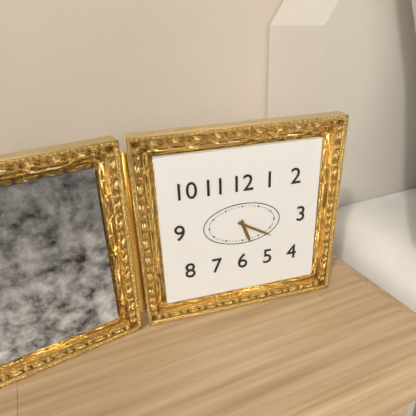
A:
h=5 m=20
